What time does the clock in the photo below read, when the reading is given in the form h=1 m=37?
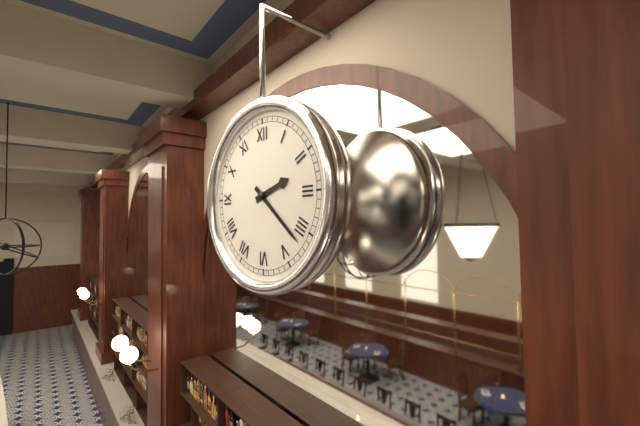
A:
h=2 m=22
